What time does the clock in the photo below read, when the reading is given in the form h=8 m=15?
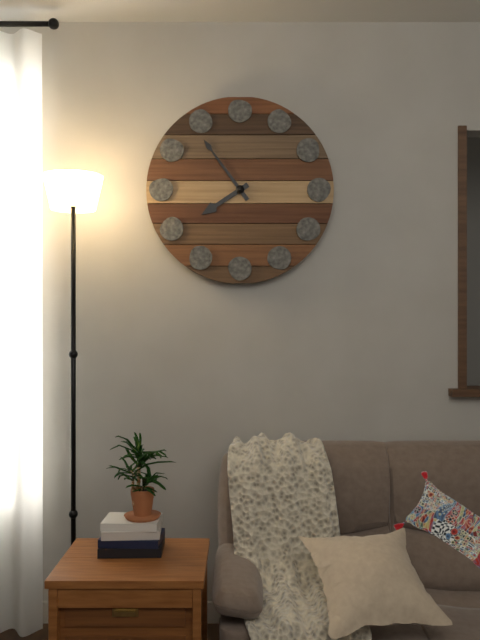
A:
h=7 m=54
